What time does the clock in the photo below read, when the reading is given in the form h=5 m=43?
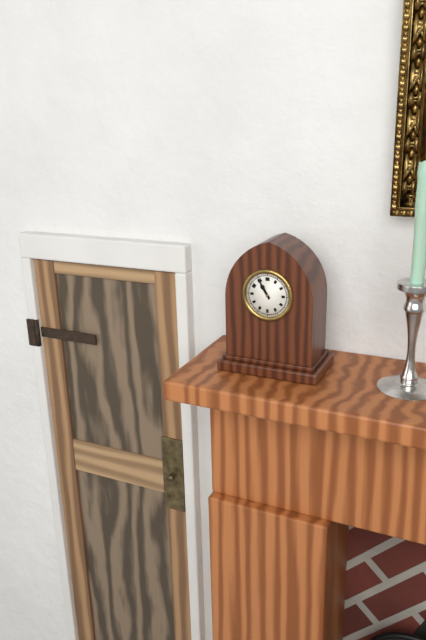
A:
h=10 m=55
